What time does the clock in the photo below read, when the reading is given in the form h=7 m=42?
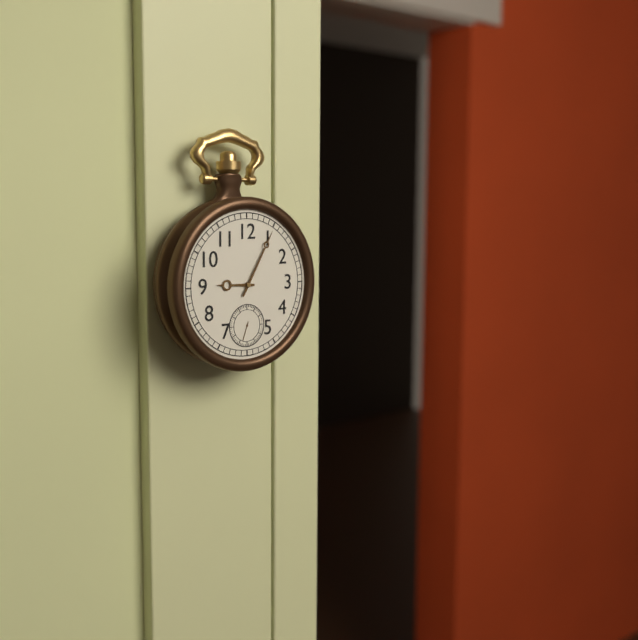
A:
h=9 m=5
